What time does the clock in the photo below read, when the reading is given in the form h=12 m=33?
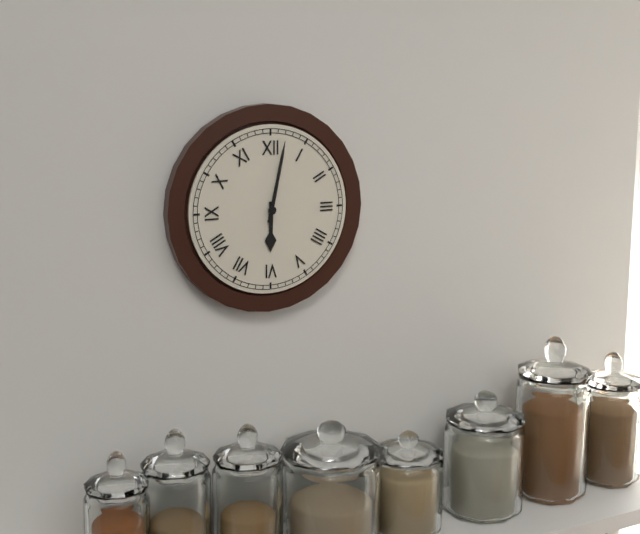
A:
h=6 m=2
